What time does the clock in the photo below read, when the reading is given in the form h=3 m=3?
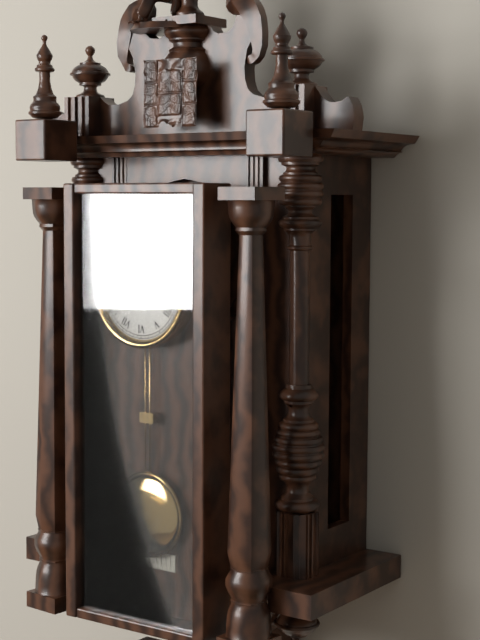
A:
h=3 m=50
